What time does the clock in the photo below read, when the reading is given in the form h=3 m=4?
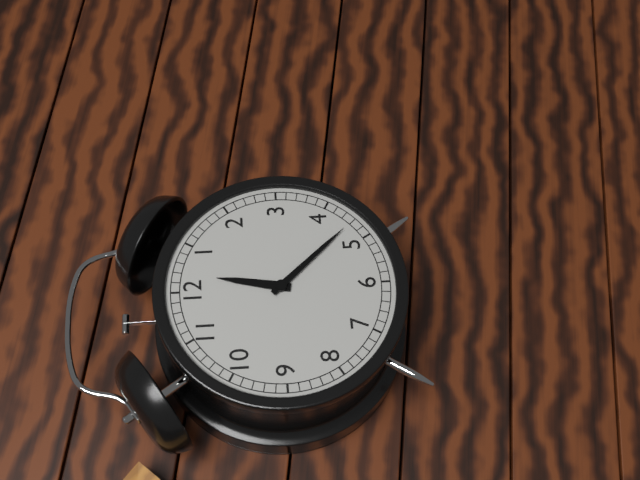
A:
h=12 m=23
